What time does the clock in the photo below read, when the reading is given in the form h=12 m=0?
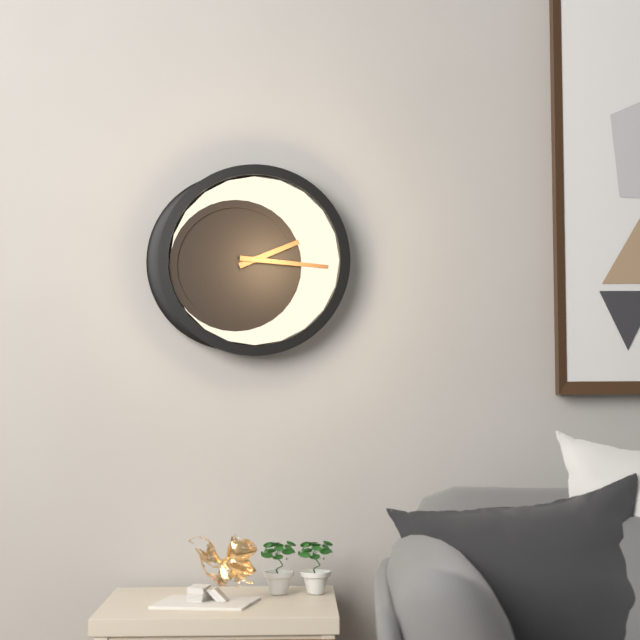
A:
h=2 m=16
